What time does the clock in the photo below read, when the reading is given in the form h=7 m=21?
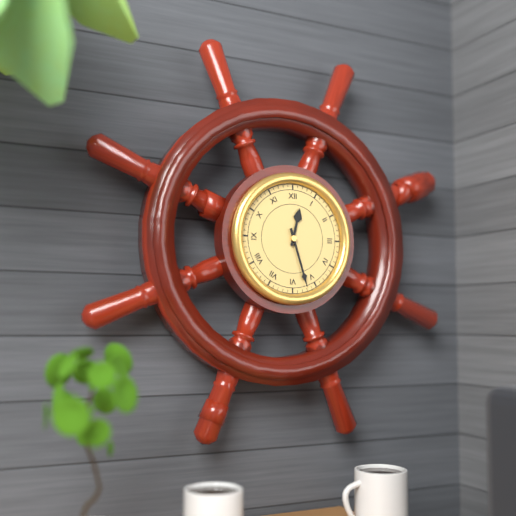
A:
h=12 m=27
